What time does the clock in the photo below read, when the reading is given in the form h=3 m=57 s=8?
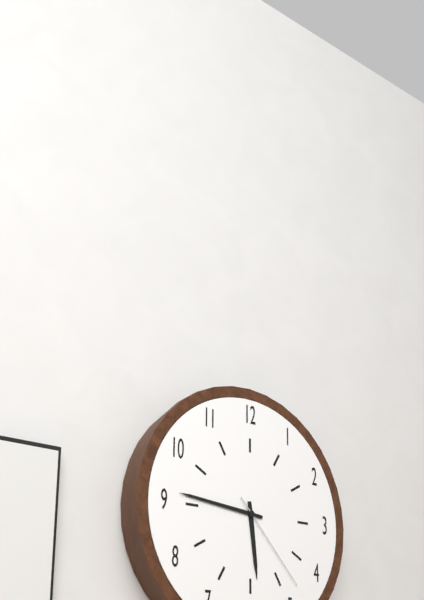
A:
h=5 m=46 s=23
